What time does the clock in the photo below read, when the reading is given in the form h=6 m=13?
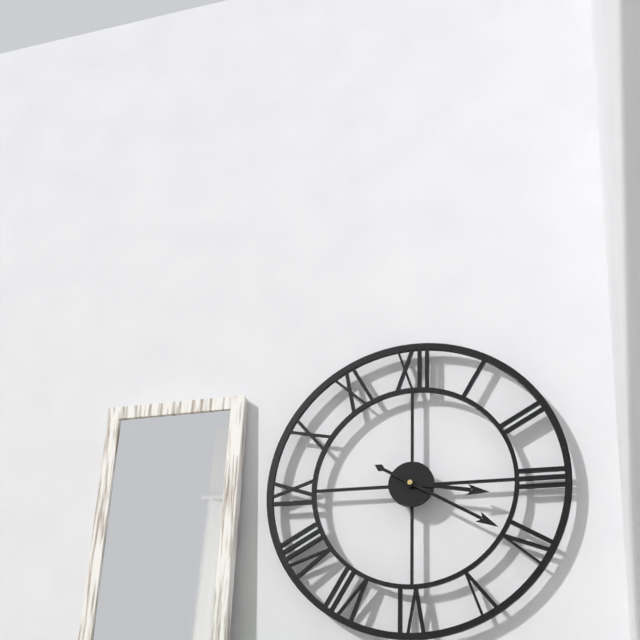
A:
h=3 m=20
